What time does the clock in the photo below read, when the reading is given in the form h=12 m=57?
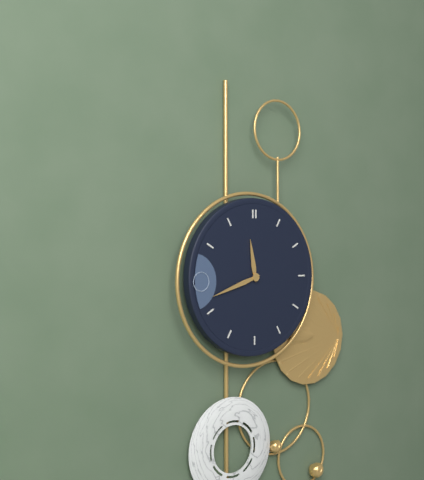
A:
h=11 m=42
